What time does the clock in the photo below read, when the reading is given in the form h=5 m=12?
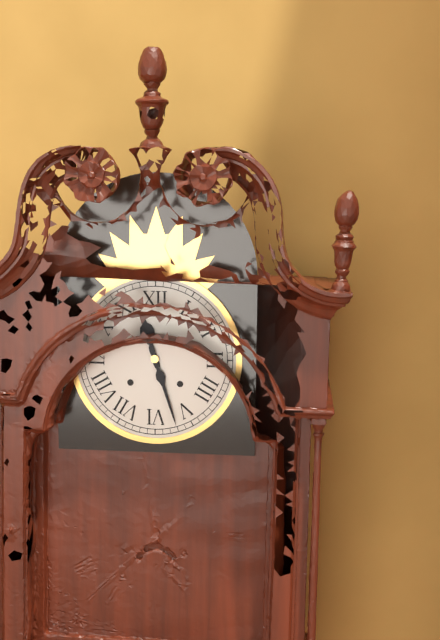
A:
h=11 m=27
